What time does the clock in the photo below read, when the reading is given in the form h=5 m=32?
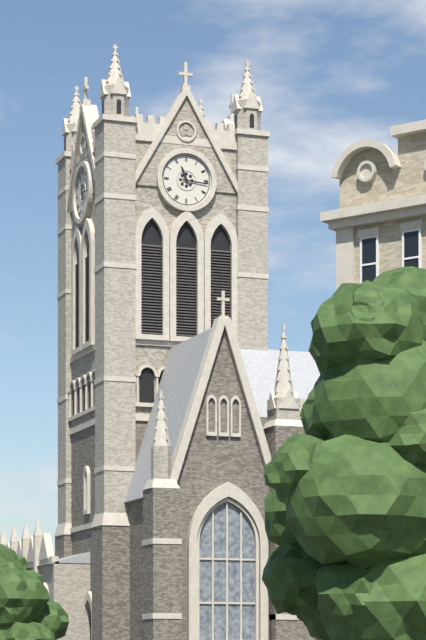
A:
h=11 m=16
